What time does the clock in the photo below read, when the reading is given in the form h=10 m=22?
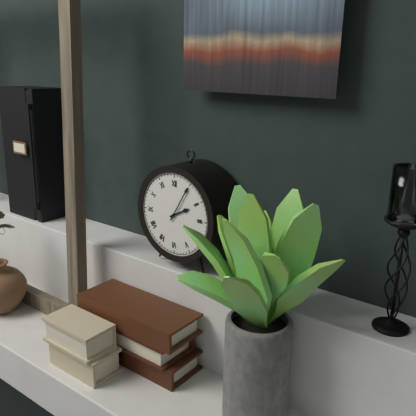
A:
h=2 m=5
